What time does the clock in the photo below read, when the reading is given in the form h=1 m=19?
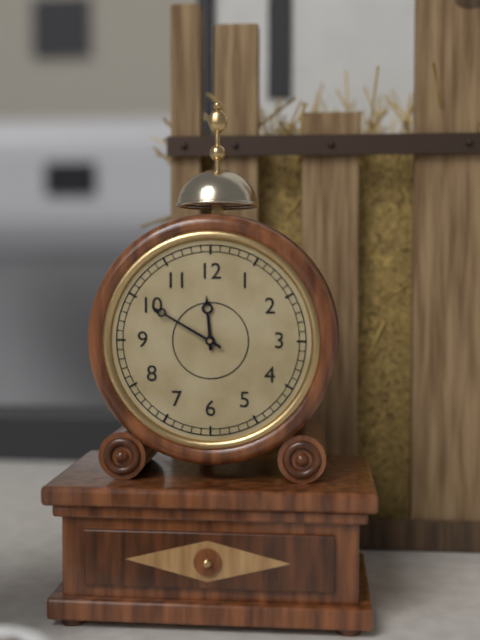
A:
h=11 m=50
